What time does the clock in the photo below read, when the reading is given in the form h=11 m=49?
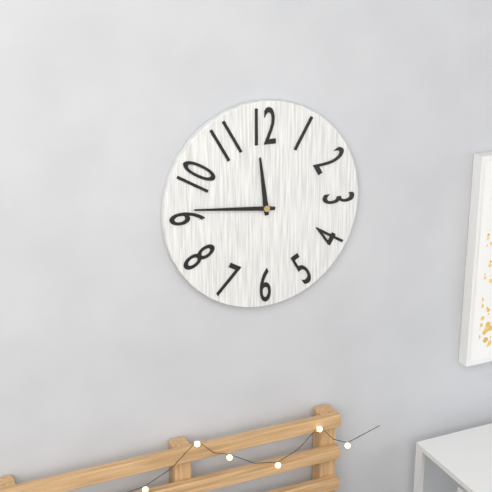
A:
h=11 m=46
